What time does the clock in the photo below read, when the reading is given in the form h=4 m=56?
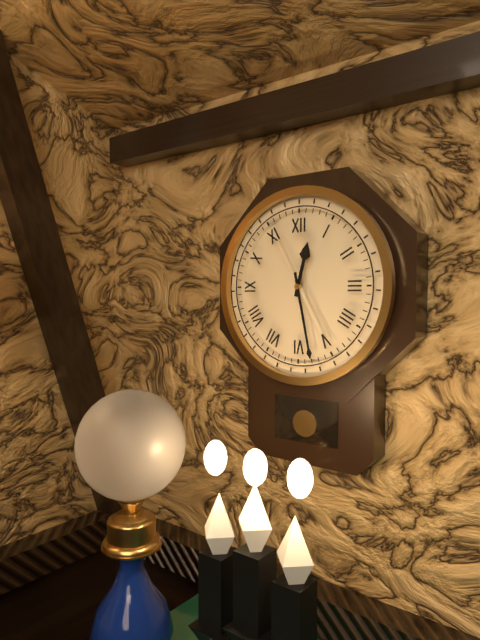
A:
h=12 m=28
